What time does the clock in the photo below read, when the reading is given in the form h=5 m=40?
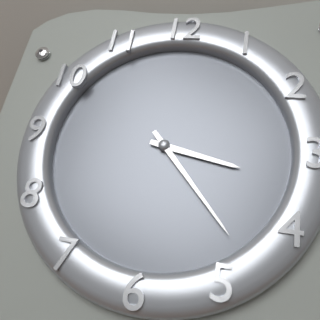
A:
h=3 m=23
